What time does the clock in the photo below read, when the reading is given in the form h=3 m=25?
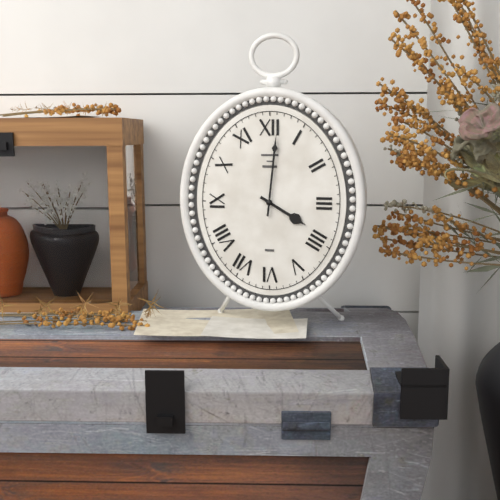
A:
h=4 m=1
